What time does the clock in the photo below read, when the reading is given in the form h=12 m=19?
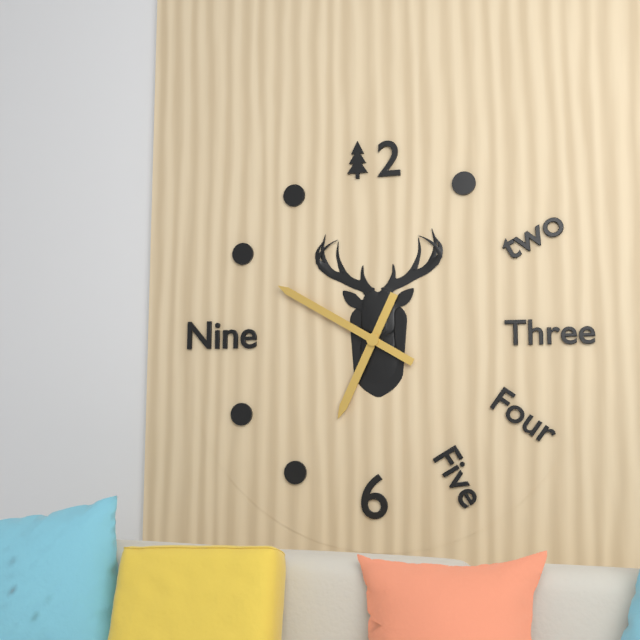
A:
h=6 m=50
